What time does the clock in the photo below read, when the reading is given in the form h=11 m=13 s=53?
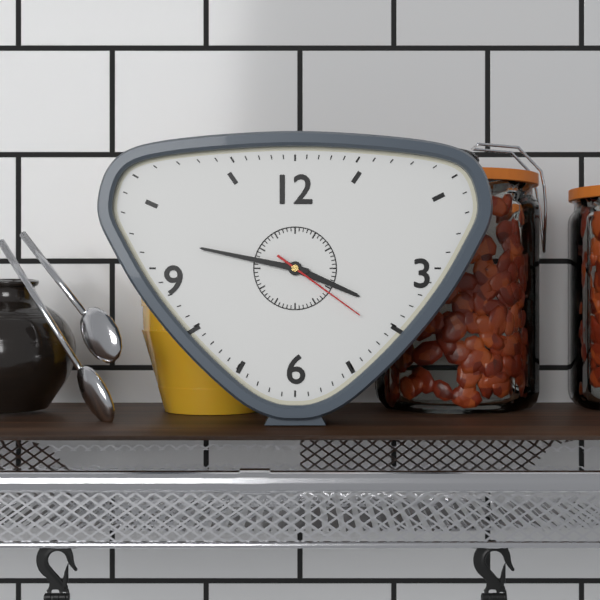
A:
h=3 m=47 s=21
